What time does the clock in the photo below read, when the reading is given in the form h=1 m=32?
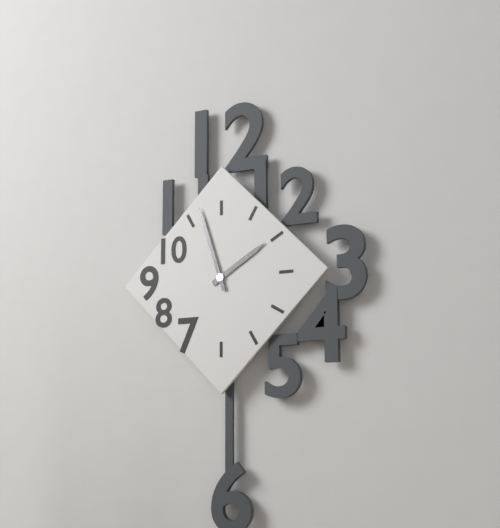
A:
h=1 m=57
